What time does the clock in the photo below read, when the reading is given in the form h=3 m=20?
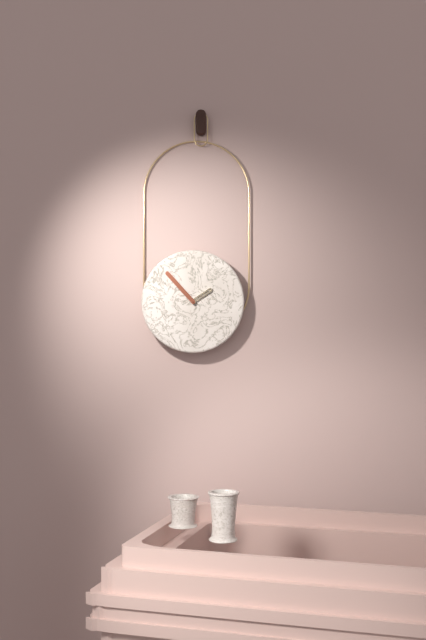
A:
h=1 m=53
